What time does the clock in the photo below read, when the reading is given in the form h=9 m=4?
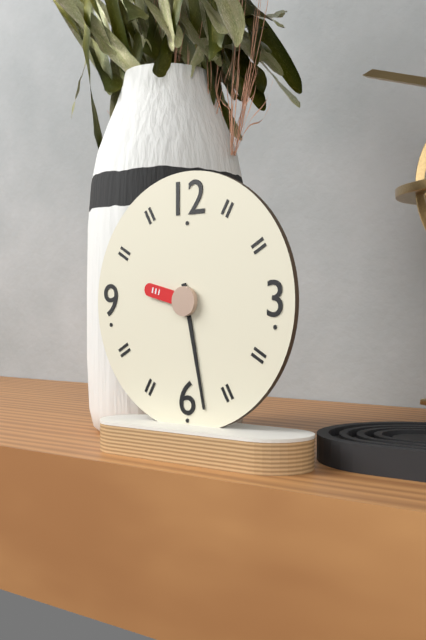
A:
h=9 m=28
